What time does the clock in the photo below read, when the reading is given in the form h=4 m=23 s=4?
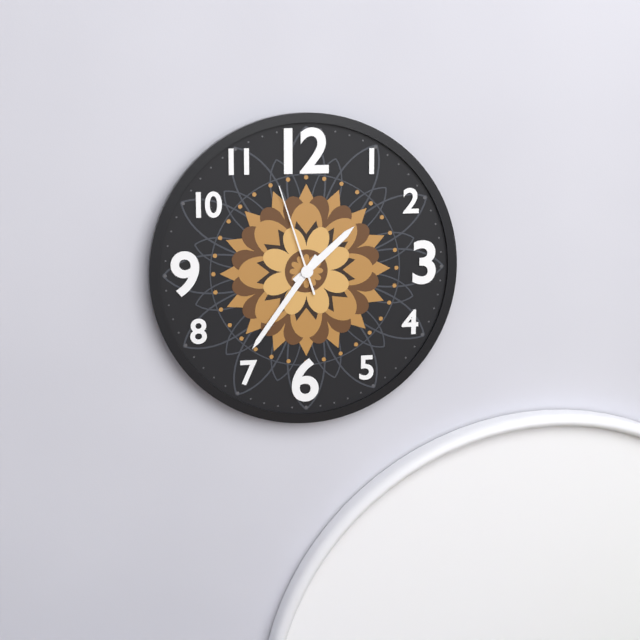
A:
h=1 m=36 s=57
